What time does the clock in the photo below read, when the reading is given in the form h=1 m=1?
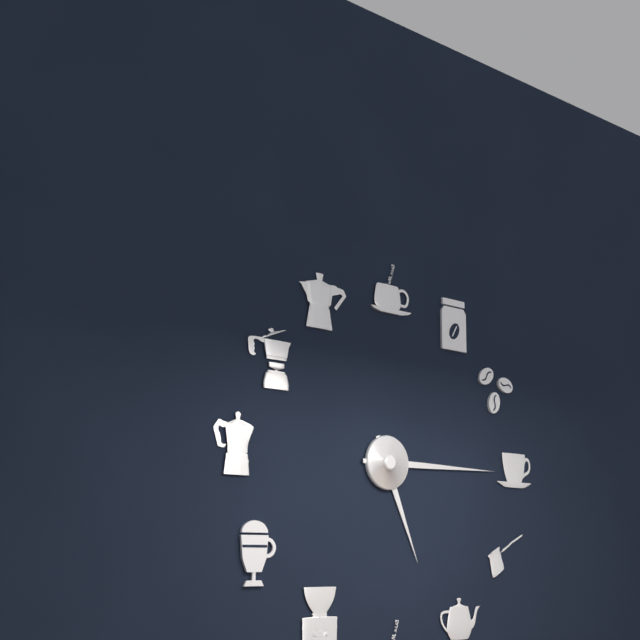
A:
h=5 m=15
